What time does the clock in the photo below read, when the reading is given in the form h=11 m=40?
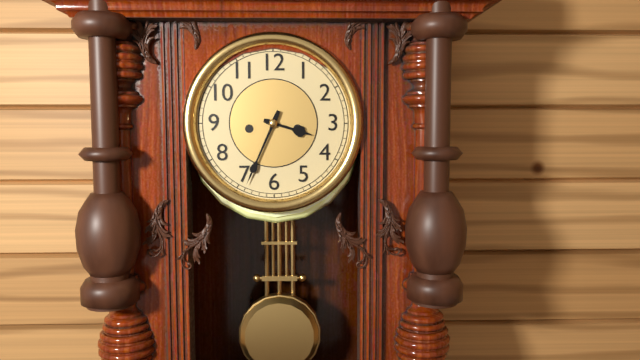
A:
h=3 m=34
